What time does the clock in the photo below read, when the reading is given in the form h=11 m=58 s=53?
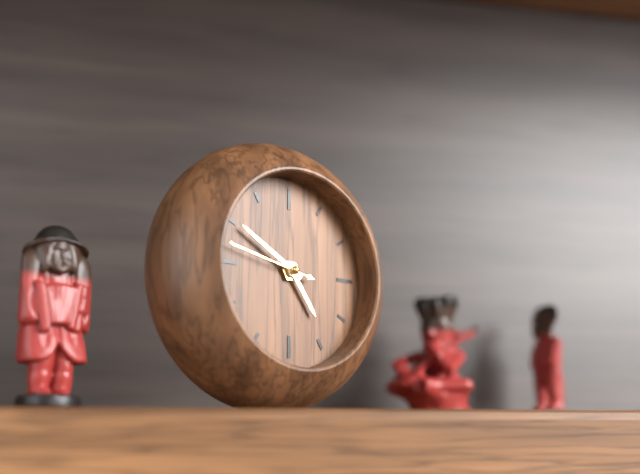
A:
h=4 m=50 s=47
